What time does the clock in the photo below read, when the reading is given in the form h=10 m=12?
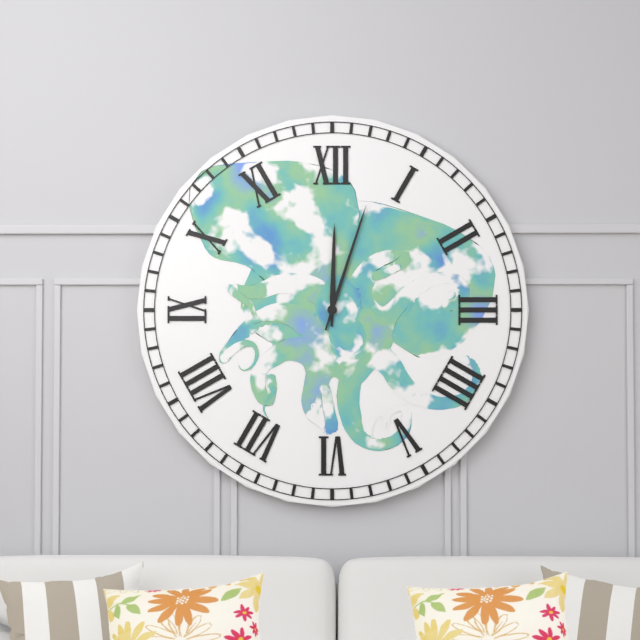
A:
h=12 m=3
